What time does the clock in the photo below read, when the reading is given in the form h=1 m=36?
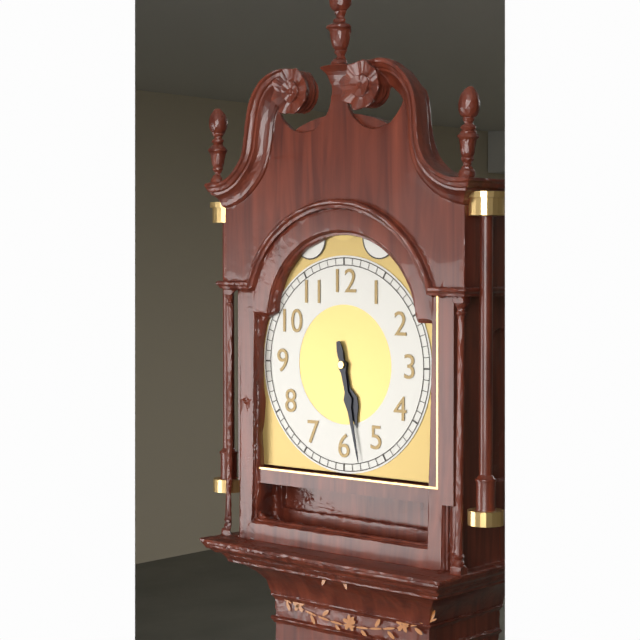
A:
h=5 m=28
